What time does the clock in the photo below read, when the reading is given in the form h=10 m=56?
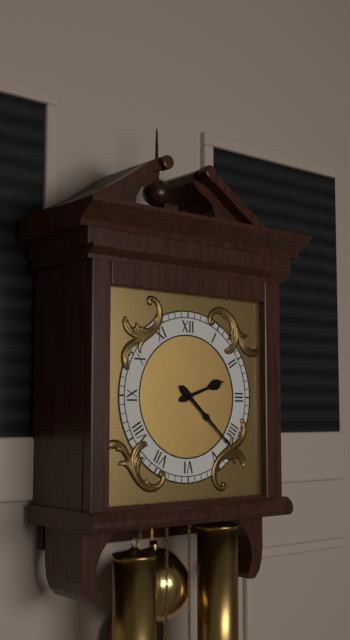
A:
h=2 m=22
